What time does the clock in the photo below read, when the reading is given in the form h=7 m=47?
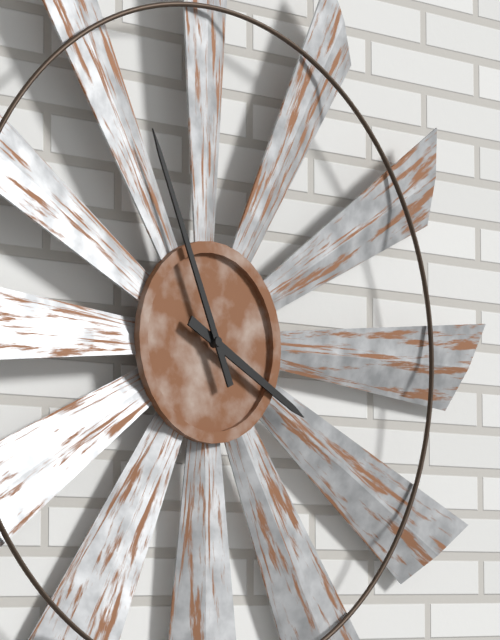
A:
h=3 m=56
